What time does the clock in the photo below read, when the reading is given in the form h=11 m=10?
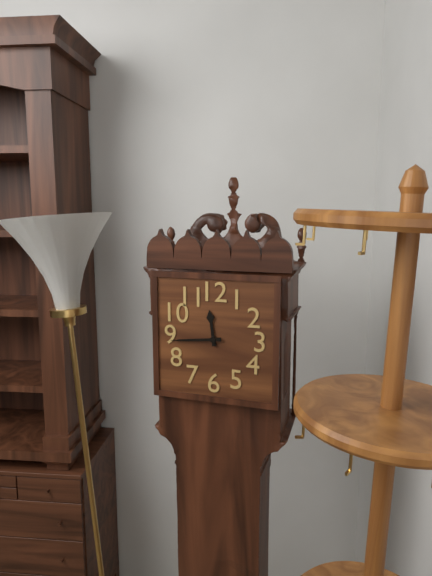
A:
h=11 m=44
